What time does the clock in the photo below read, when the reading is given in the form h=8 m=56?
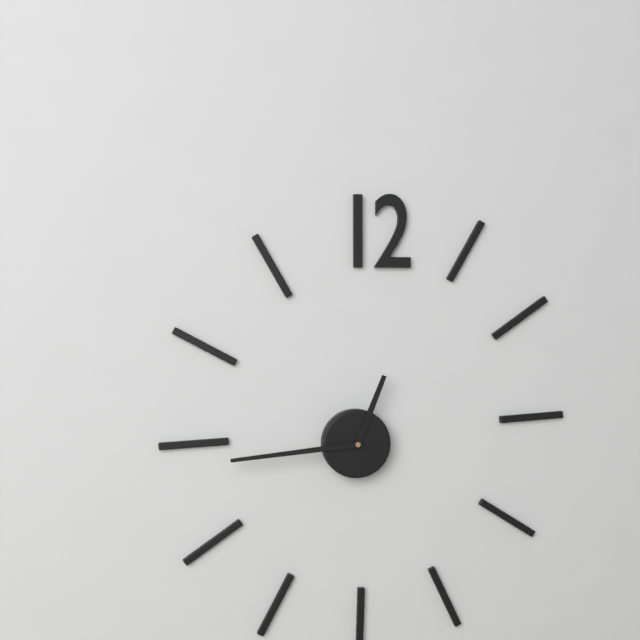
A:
h=12 m=44
